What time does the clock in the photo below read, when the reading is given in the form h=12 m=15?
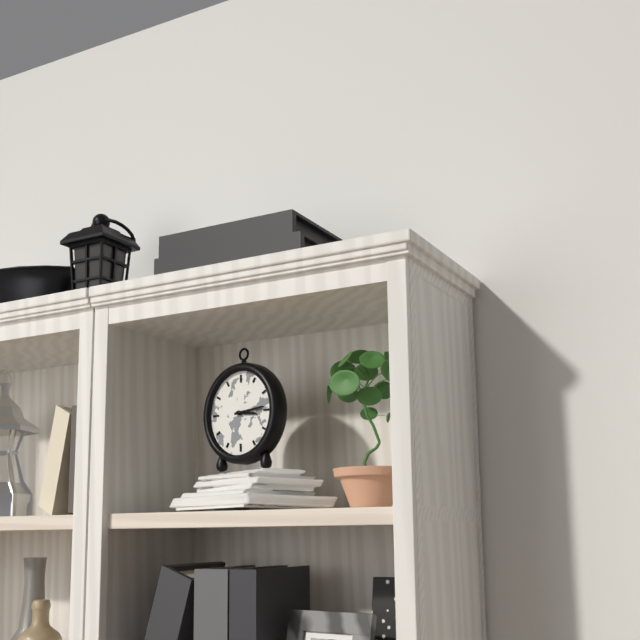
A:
h=3 m=14
